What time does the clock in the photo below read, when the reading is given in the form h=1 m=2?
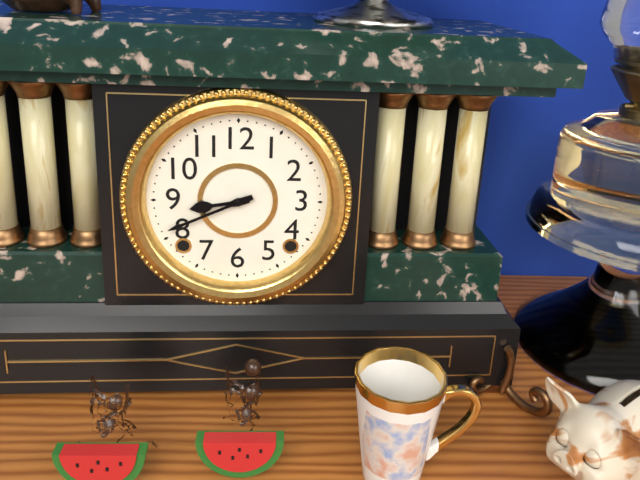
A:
h=8 m=41
